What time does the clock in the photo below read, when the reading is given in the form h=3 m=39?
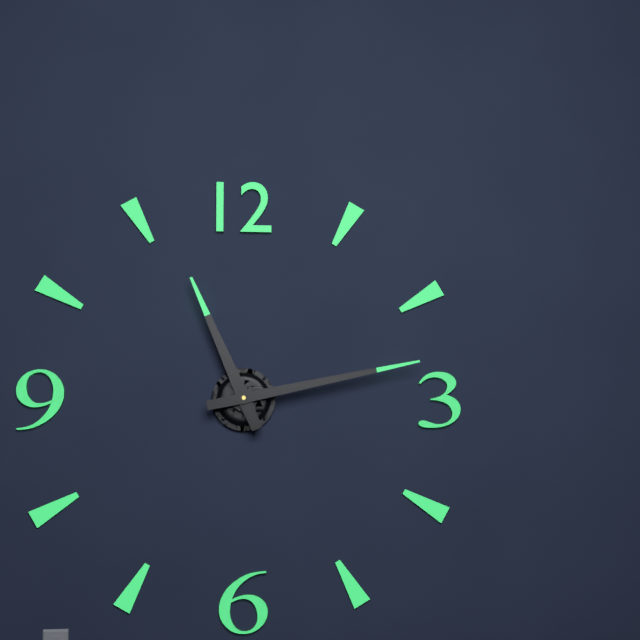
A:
h=11 m=13
